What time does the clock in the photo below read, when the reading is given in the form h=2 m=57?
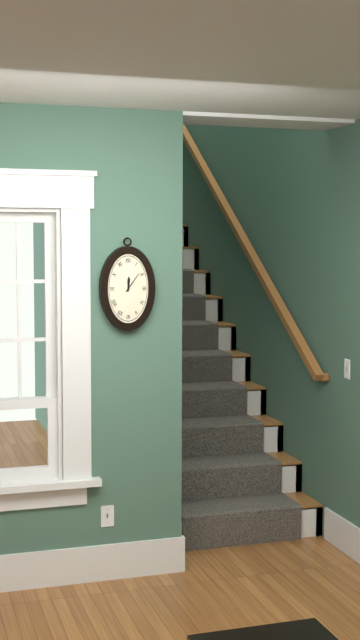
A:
h=12 m=6
